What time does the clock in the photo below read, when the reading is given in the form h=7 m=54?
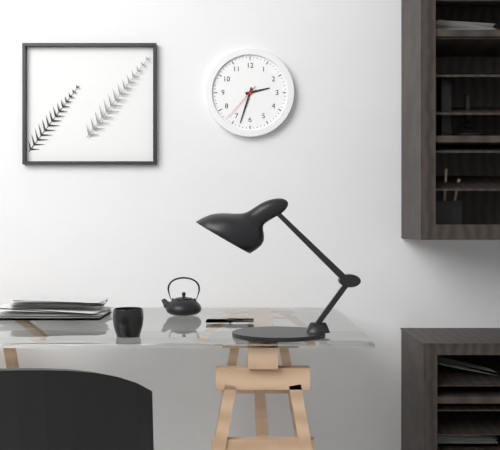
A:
h=2 m=33
